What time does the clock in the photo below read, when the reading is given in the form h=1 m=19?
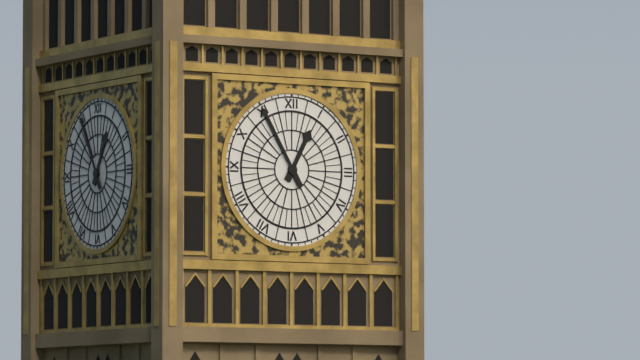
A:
h=12 m=55
